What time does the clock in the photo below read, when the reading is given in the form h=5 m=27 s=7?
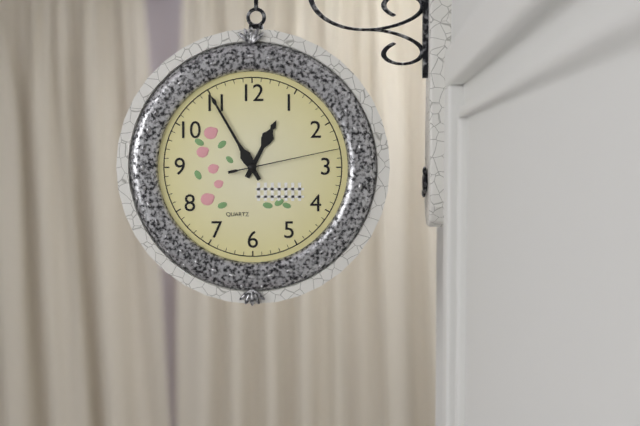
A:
h=12 m=55 s=13
